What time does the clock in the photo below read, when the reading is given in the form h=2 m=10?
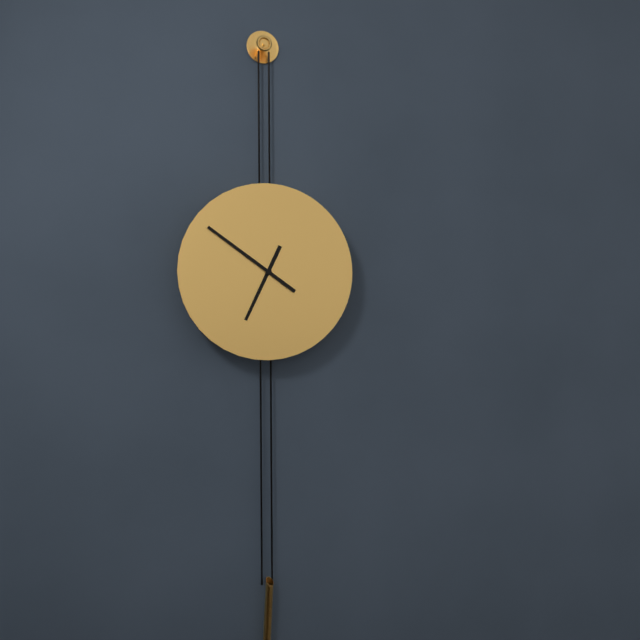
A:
h=6 m=51
